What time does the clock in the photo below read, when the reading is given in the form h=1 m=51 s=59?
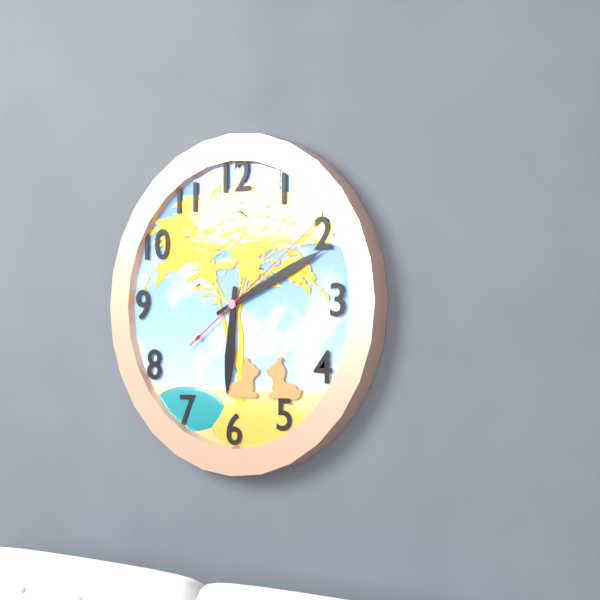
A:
h=6 m=11 s=9
